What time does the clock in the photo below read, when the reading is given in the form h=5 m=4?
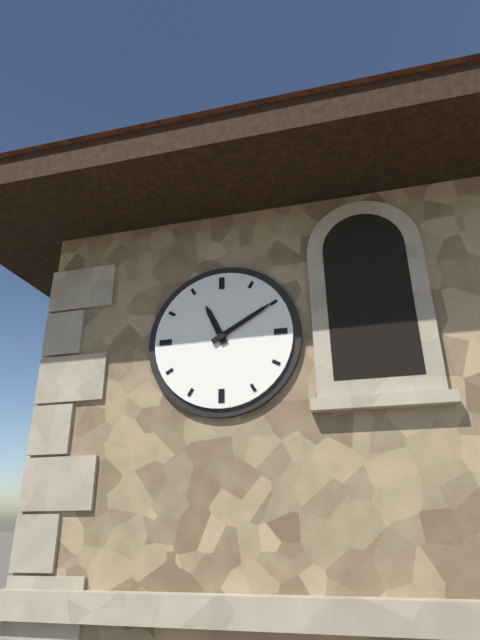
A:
h=11 m=10
